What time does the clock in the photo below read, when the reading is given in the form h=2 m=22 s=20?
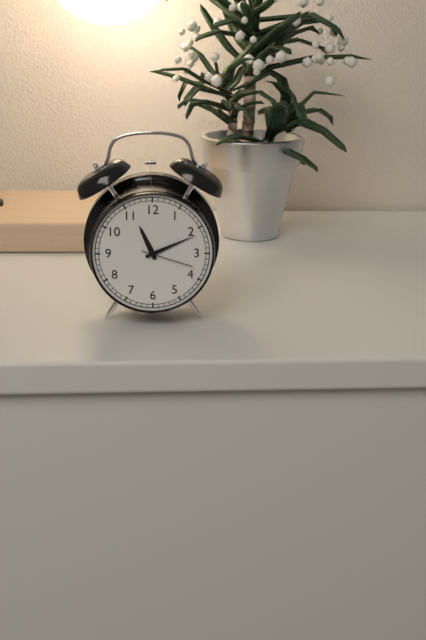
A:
h=11 m=11 s=18
